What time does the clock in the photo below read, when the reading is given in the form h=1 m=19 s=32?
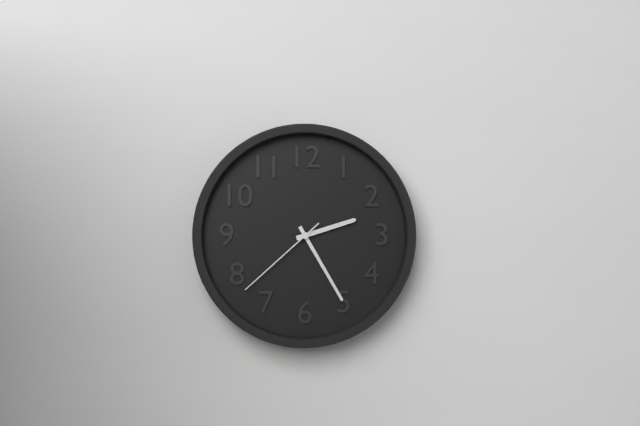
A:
h=2 m=25 s=38
